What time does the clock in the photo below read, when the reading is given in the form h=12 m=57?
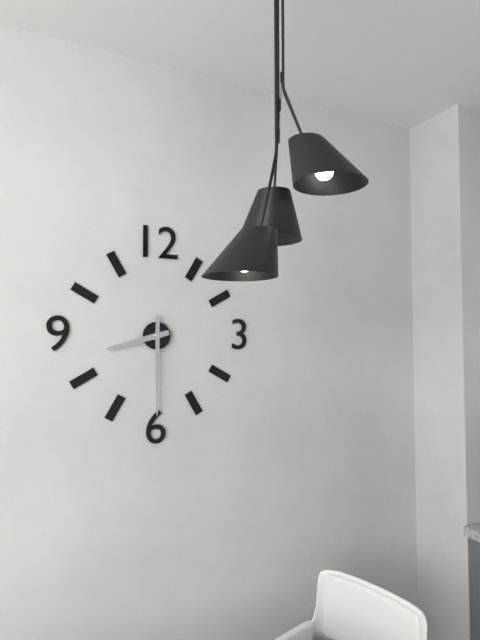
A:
h=8 m=30
